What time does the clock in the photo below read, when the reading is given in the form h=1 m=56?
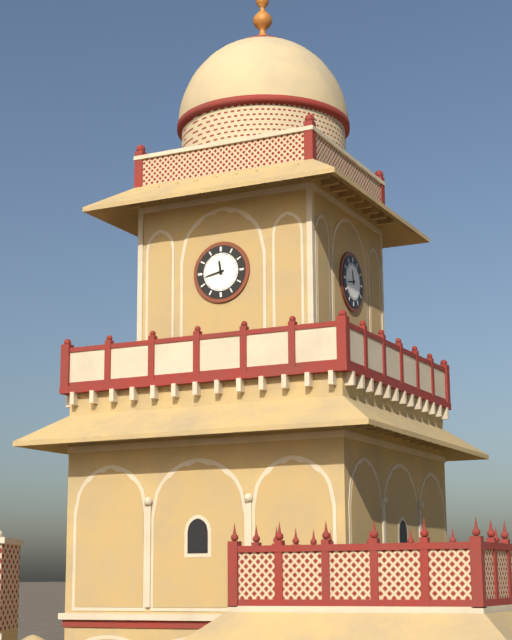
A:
h=11 m=43
